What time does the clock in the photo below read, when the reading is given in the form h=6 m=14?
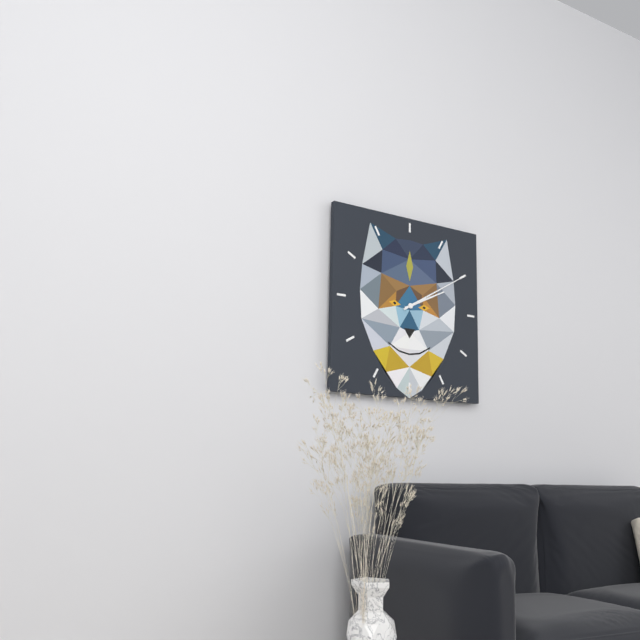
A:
h=2 m=10
